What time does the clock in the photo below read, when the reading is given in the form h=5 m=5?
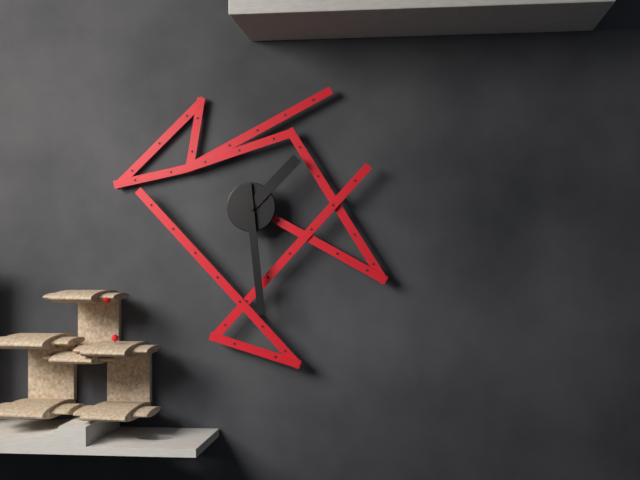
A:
h=1 m=29
